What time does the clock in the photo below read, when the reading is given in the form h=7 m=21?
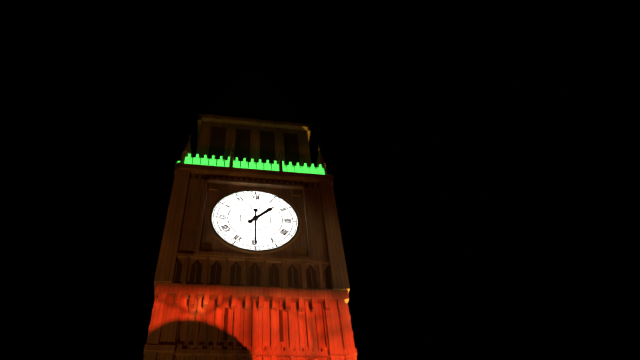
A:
h=1 m=30
